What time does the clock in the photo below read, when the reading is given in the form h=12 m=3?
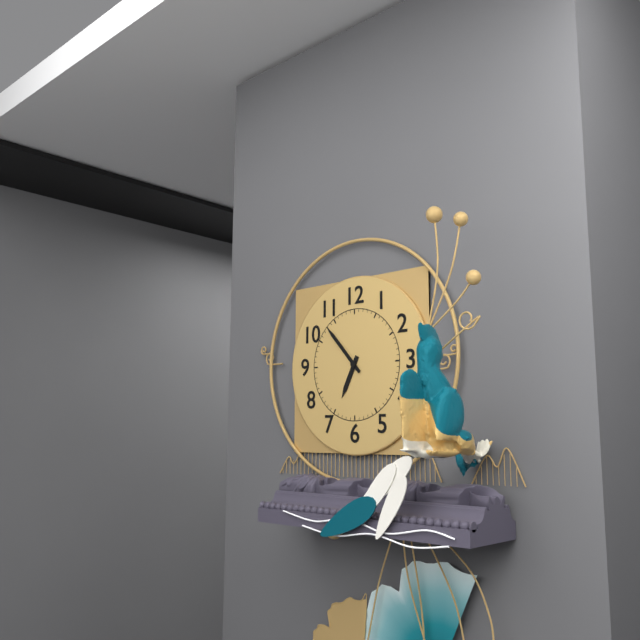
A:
h=6 m=53
